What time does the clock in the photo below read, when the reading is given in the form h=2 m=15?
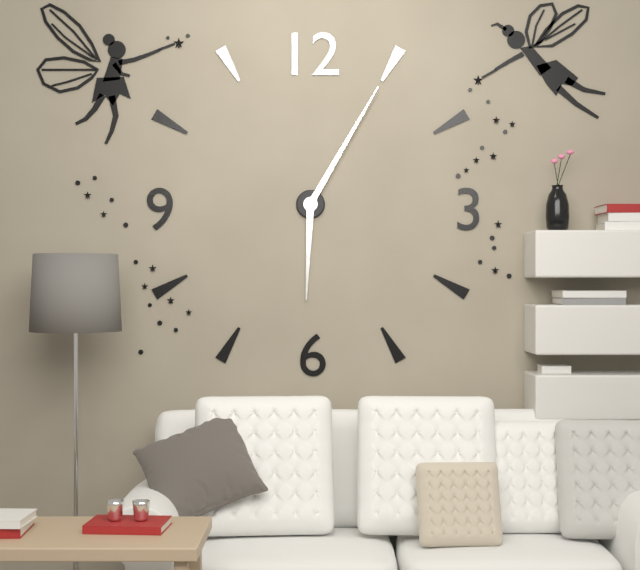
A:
h=6 m=5
